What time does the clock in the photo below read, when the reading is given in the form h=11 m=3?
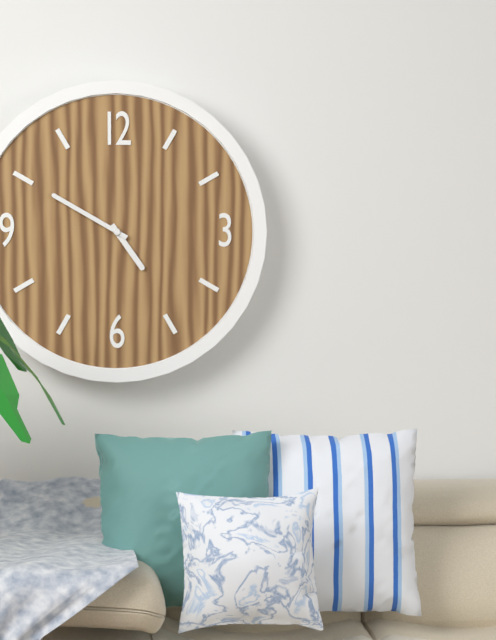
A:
h=4 m=50
